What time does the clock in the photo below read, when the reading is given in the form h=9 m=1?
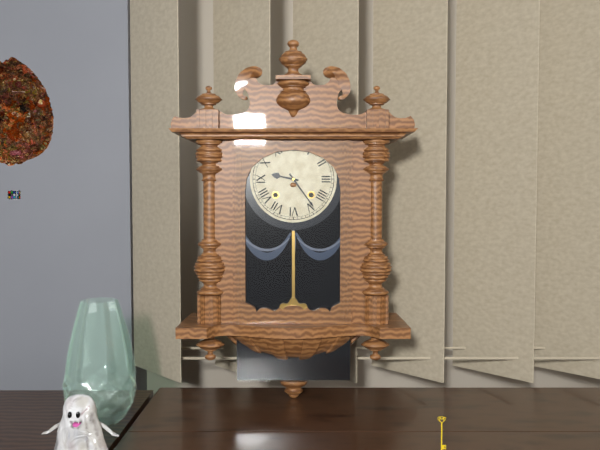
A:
h=9 m=24
